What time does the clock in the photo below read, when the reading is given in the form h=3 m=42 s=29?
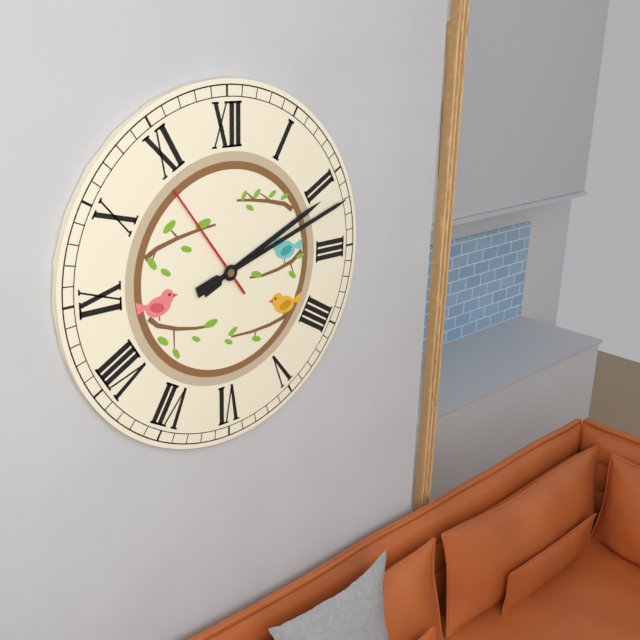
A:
h=2 m=12 s=54
